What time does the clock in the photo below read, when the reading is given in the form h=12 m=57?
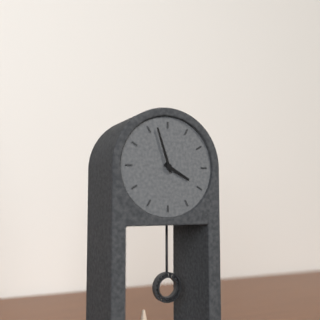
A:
h=3 m=57
